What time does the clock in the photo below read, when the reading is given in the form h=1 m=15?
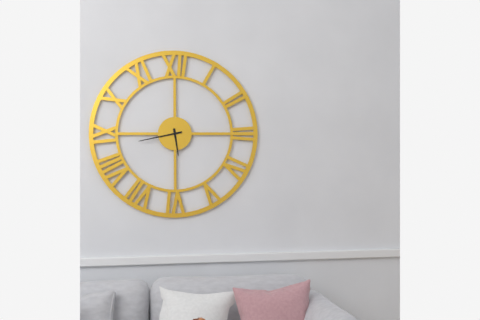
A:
h=5 m=43
